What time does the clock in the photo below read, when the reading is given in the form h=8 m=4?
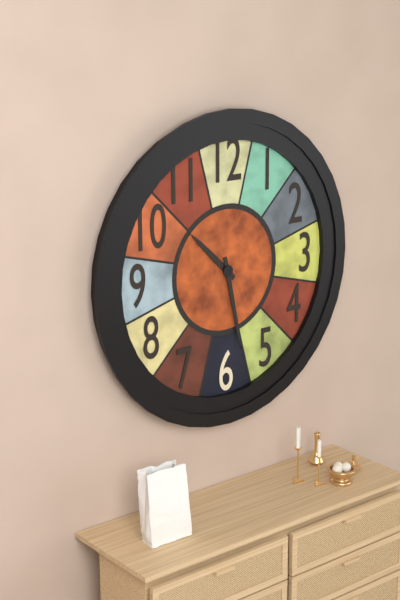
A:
h=10 m=28
